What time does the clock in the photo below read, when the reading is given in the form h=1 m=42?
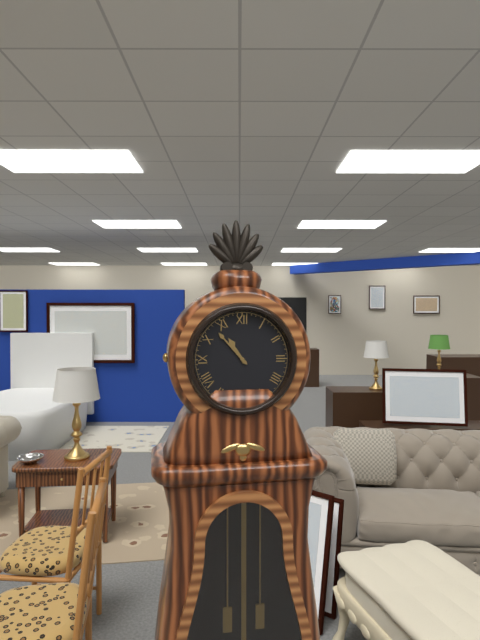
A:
h=10 m=53
